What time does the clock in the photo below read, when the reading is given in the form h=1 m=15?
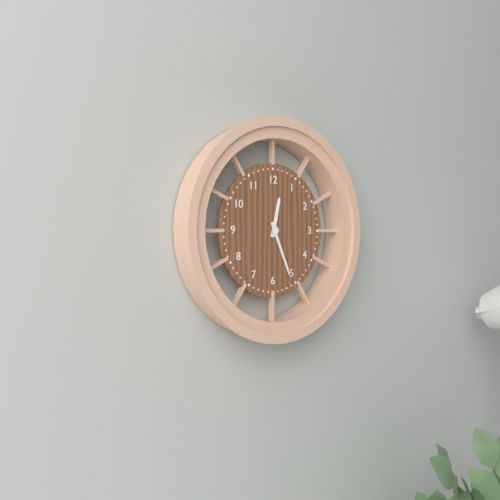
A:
h=12 m=26
